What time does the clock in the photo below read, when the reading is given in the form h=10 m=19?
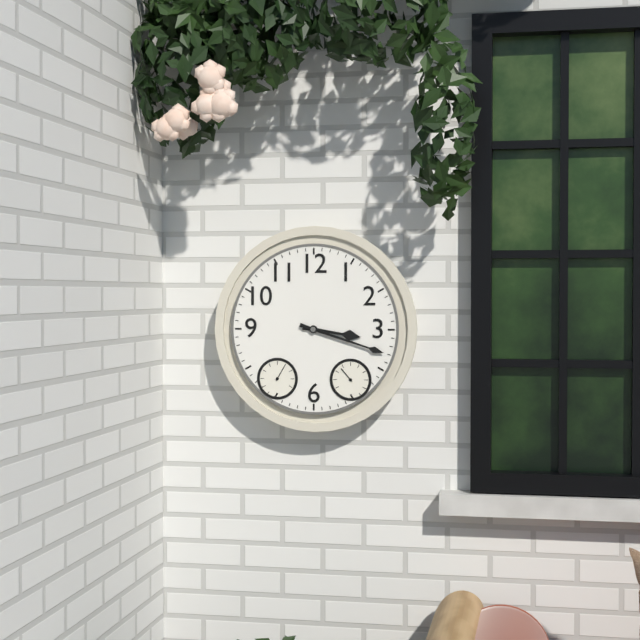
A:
h=3 m=18
